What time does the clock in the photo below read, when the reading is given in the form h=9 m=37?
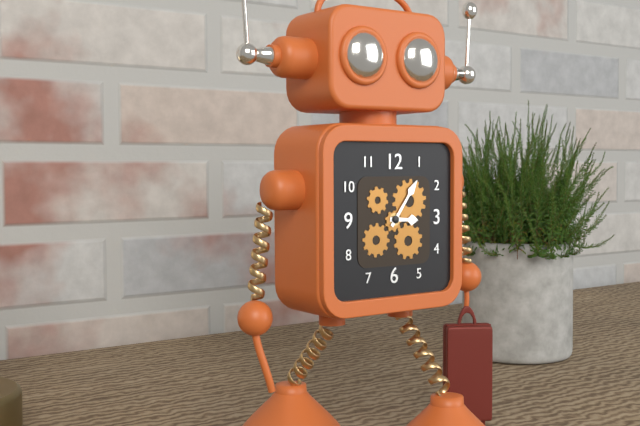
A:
h=3 m=6
